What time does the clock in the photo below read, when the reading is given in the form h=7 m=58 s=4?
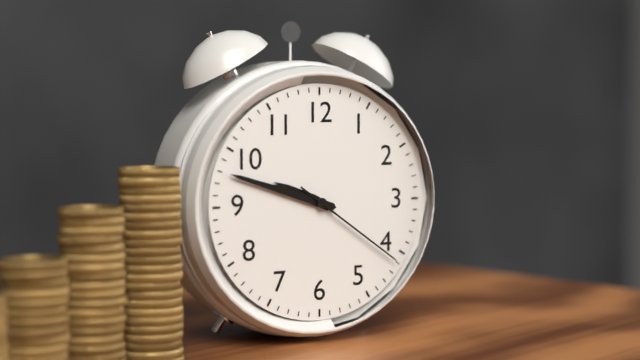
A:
h=9 m=48 s=21
